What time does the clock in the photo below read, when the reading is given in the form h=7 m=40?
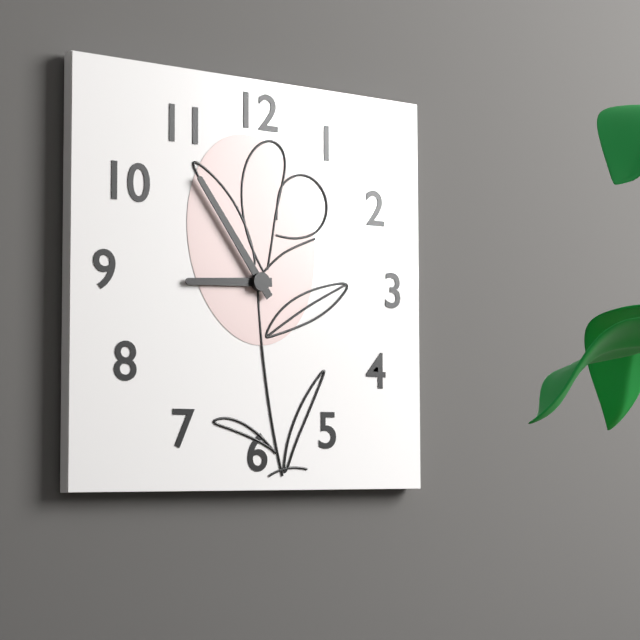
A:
h=8 m=54
